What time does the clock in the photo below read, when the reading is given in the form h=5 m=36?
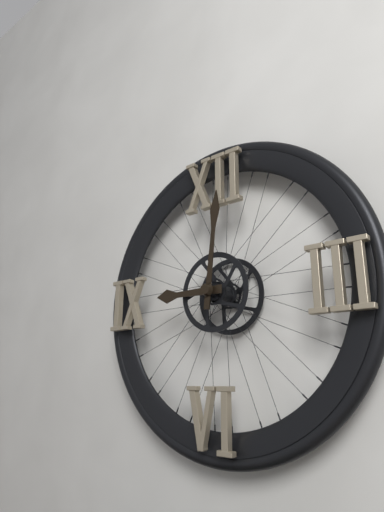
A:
h=9 m=1
